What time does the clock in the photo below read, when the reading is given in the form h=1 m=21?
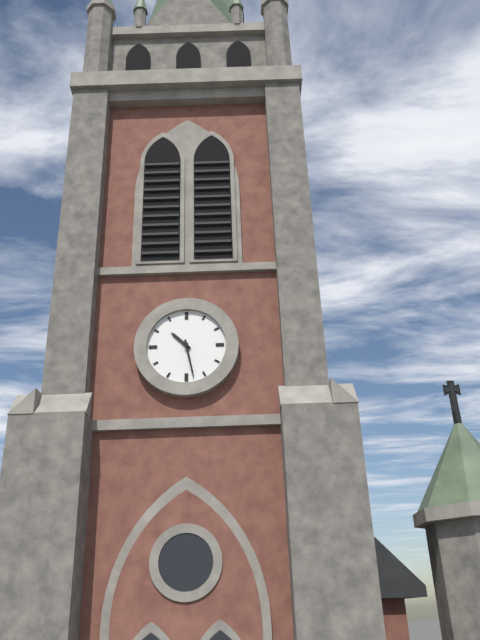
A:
h=10 m=28
